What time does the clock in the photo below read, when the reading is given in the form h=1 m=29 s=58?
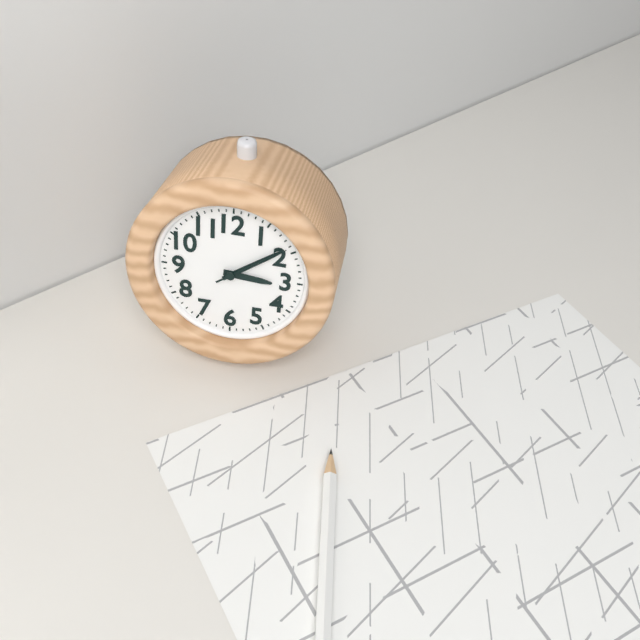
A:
h=3 m=9 s=9
